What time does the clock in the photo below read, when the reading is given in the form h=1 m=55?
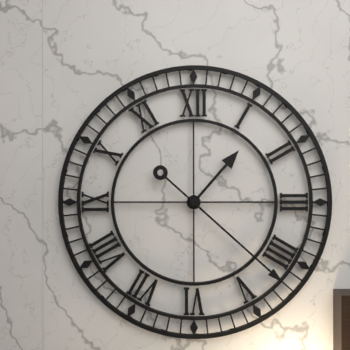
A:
h=1 m=22
